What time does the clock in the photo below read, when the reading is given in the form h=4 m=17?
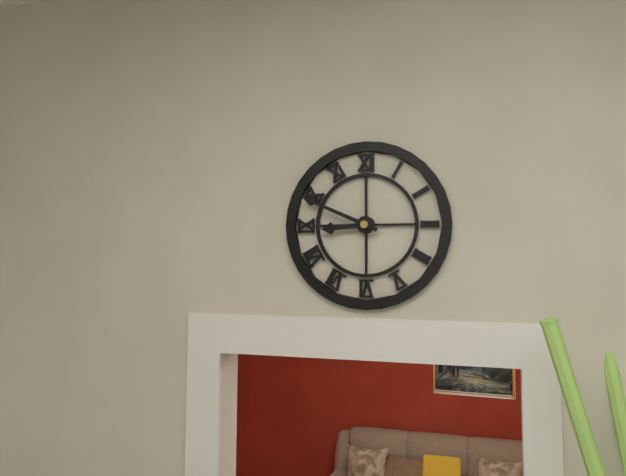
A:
h=8 m=49
